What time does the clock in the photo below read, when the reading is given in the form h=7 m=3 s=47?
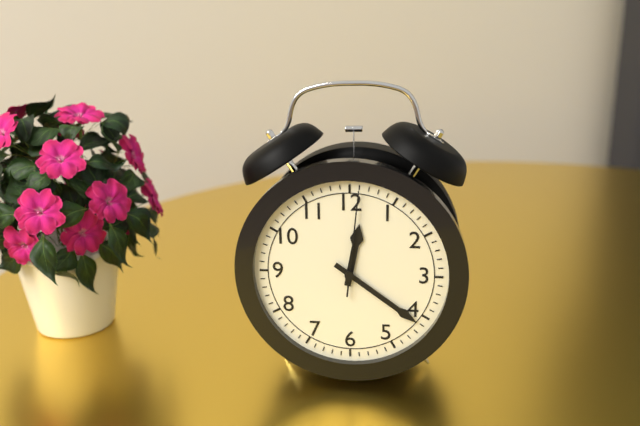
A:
h=12 m=21 s=1
